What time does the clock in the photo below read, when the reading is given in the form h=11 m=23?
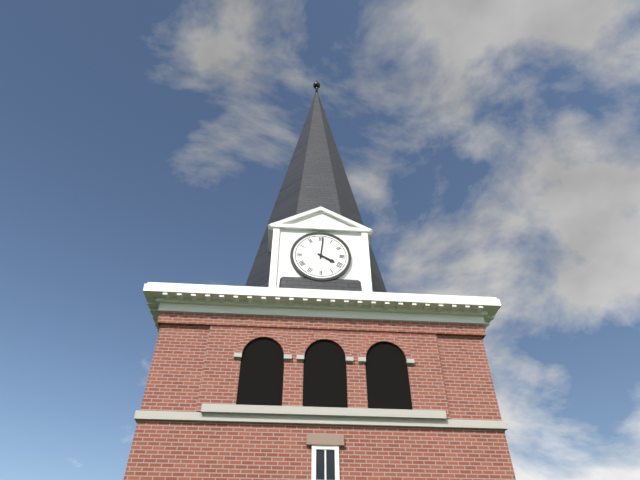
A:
h=4 m=1
